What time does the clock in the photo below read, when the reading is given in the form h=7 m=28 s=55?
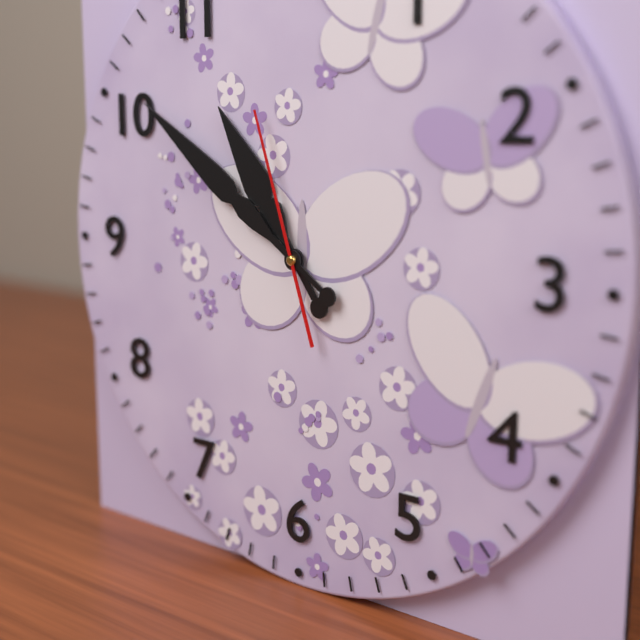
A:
h=10 m=51 s=57
